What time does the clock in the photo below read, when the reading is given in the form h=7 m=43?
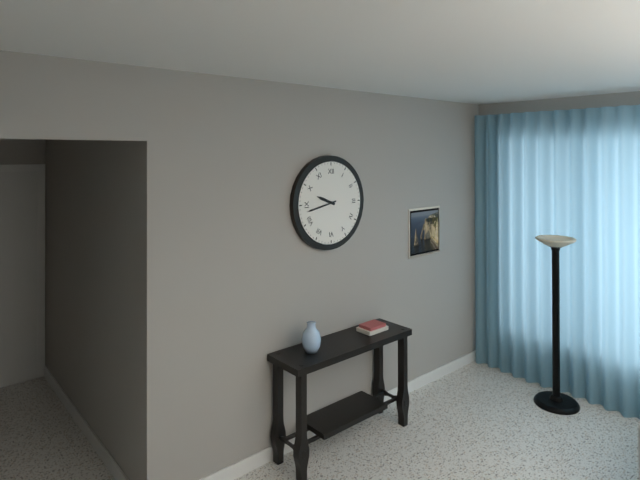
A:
h=9 m=43
